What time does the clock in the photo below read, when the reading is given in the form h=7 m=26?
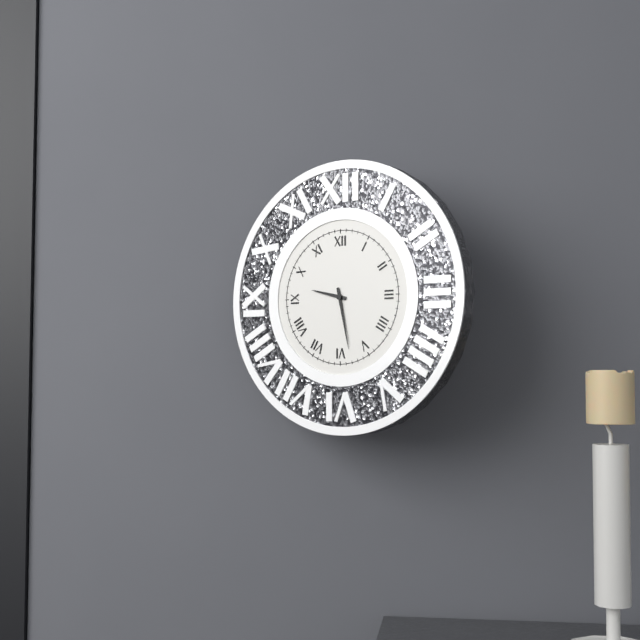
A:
h=9 m=28
